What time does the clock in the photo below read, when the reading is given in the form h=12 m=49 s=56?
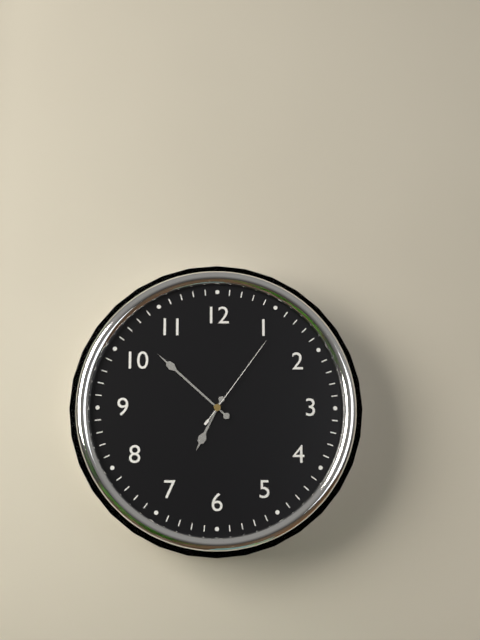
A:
h=6 m=52 s=6
